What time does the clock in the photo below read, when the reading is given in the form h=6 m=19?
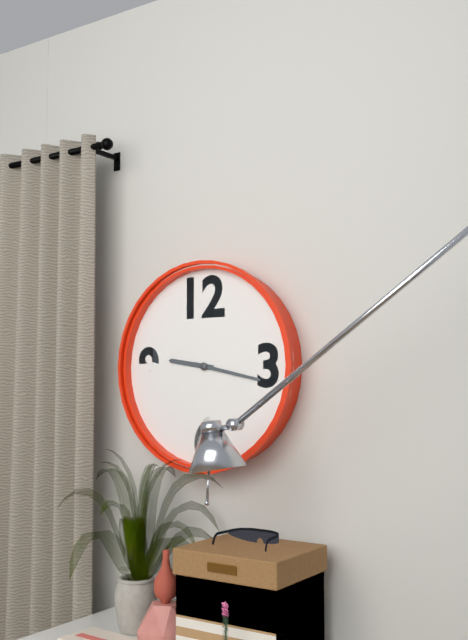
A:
h=9 m=17
